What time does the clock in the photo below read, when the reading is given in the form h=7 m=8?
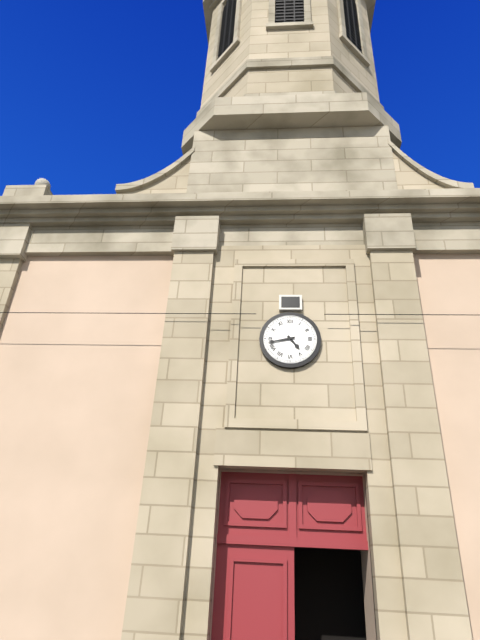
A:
h=4 m=43
